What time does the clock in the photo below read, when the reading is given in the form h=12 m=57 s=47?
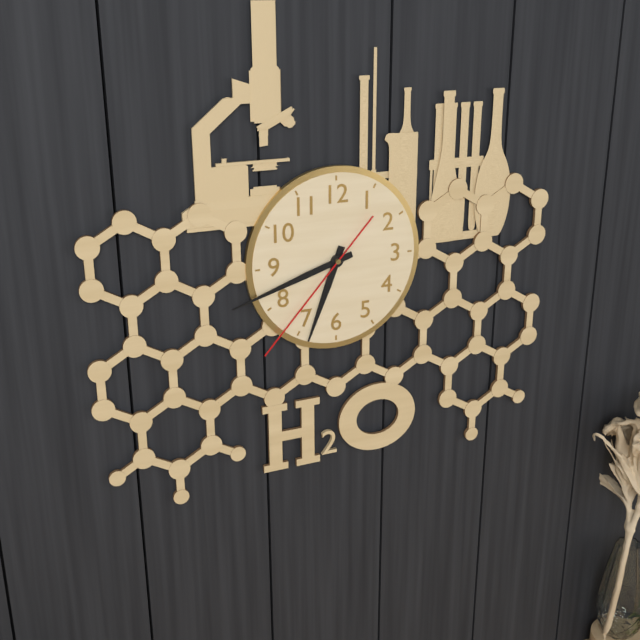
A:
h=6 m=42 s=37
